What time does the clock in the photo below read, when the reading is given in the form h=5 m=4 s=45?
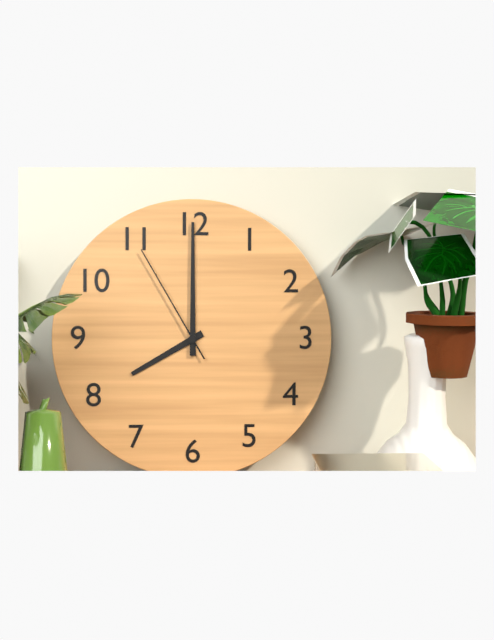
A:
h=8 m=0 s=55
